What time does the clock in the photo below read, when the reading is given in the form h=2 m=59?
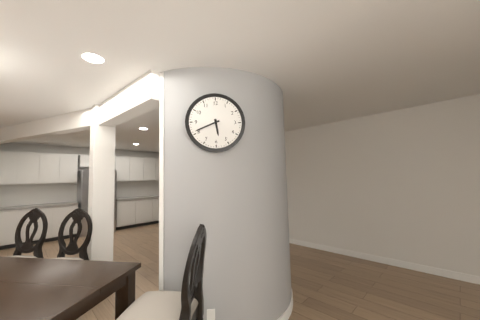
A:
h=5 m=41
